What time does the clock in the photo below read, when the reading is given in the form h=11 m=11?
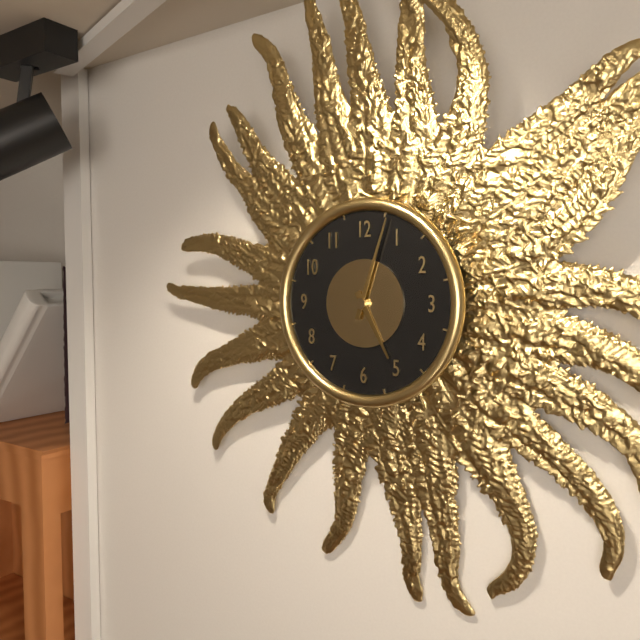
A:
h=5 m=3
